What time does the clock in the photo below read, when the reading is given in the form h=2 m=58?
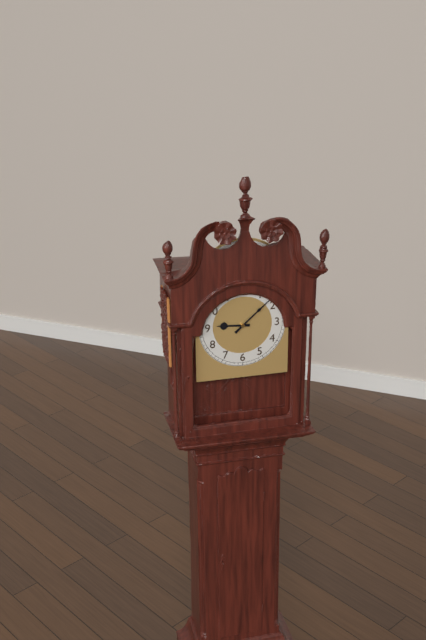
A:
h=9 m=8
